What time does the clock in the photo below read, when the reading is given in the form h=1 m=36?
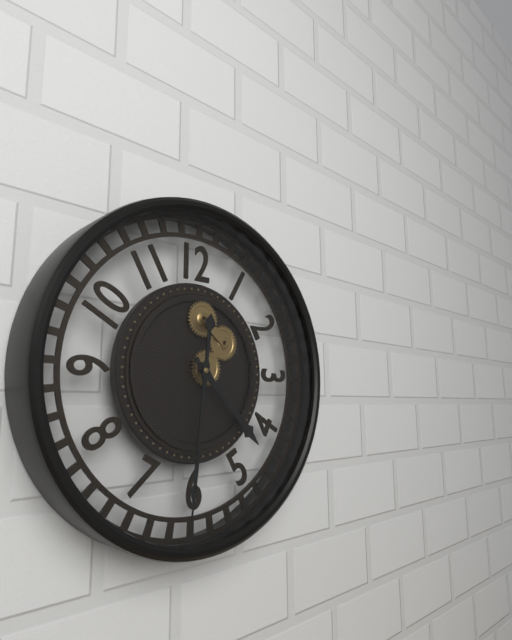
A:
h=4 m=31
